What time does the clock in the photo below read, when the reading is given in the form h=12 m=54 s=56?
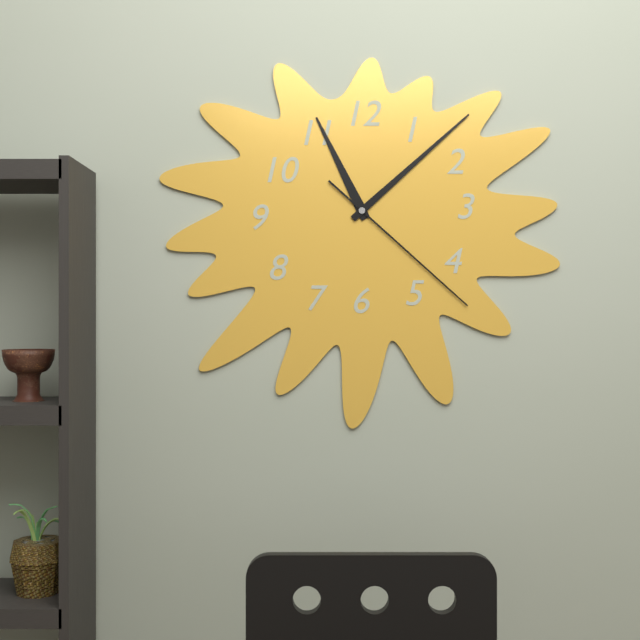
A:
h=11 m=8 s=22
